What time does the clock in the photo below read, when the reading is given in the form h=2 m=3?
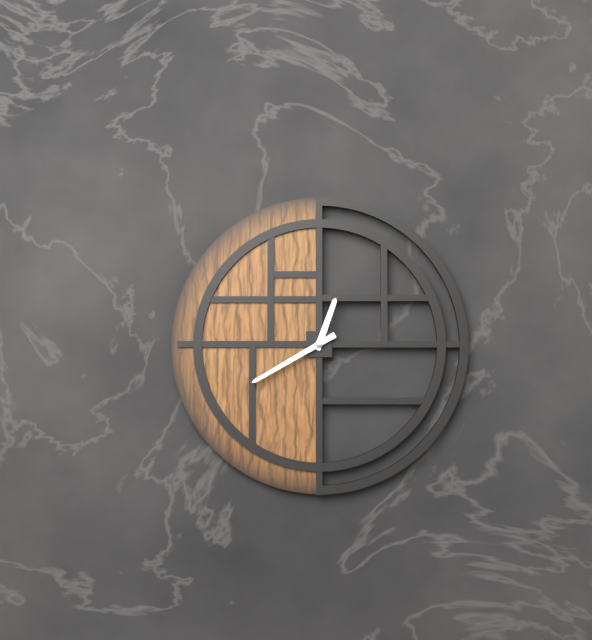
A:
h=12 m=40
